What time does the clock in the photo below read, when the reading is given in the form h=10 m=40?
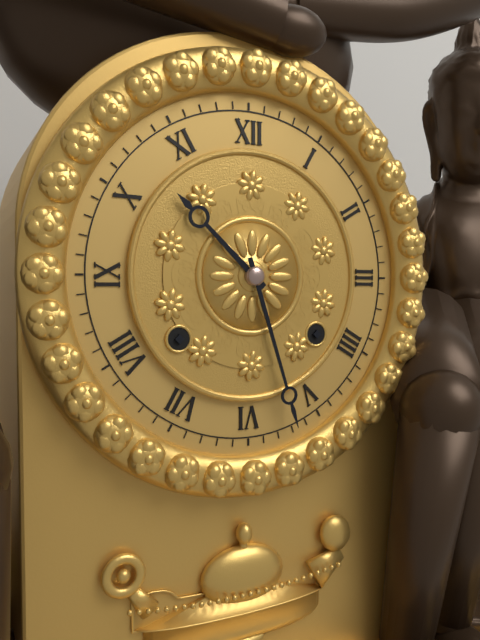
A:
h=10 m=27
